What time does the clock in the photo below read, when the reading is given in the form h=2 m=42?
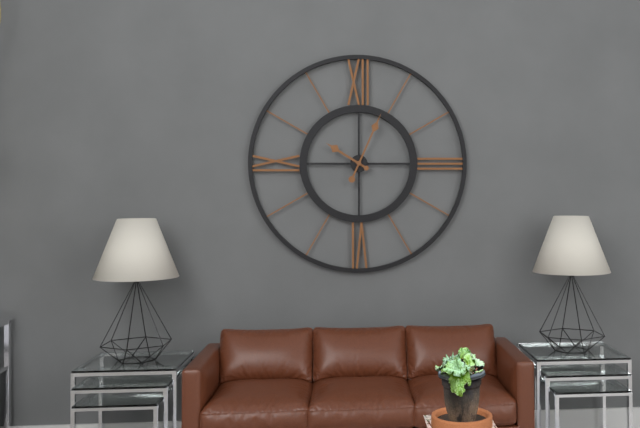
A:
h=10 m=4
